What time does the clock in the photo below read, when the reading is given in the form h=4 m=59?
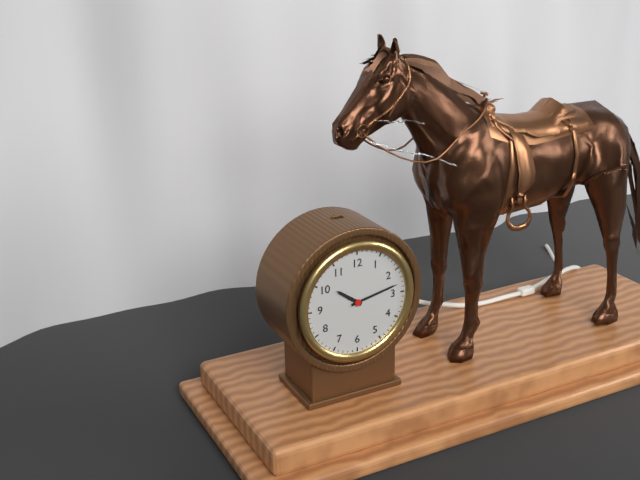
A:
h=10 m=13
